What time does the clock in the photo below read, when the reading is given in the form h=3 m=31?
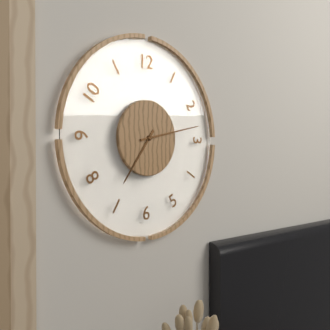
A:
h=7 m=13
